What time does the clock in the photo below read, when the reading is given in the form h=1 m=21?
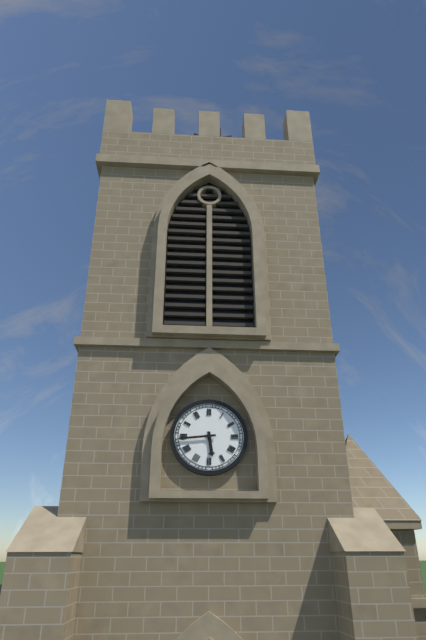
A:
h=5 m=44
